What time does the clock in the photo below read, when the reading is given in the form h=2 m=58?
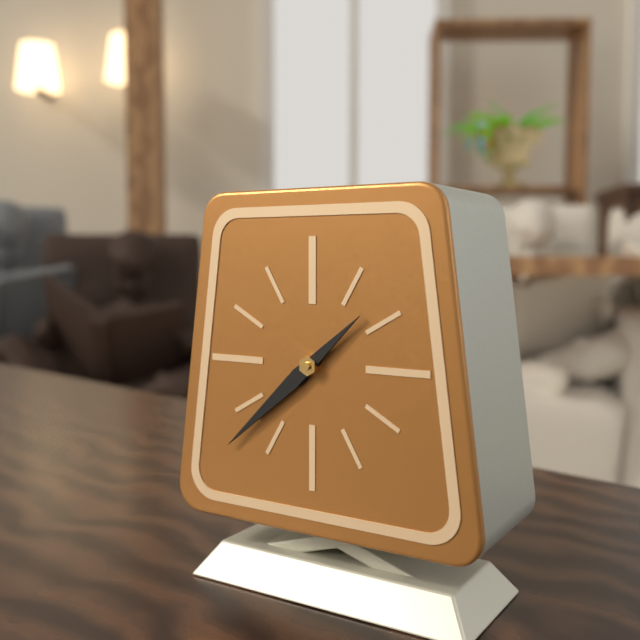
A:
h=7 m=38
